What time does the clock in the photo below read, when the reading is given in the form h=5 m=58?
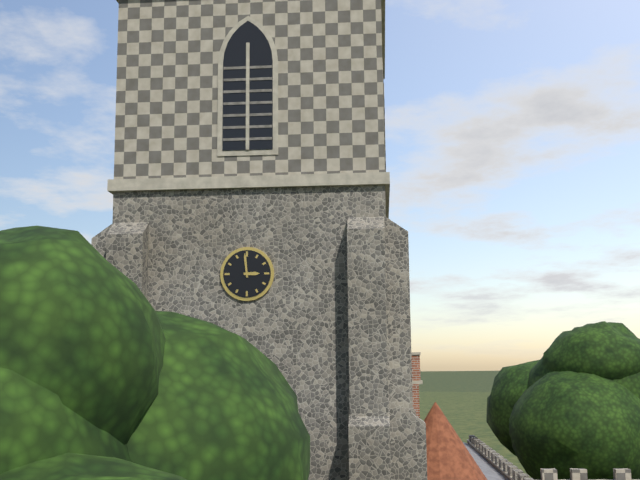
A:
h=2 m=59
